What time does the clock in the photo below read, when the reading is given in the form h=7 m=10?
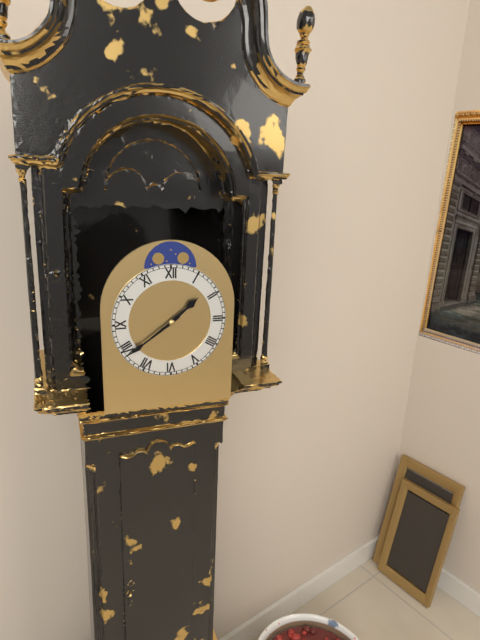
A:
h=1 m=39
